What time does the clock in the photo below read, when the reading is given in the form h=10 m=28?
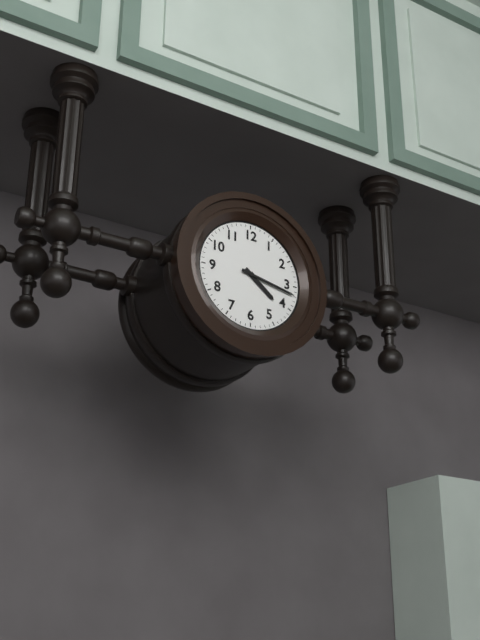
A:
h=4 m=17
